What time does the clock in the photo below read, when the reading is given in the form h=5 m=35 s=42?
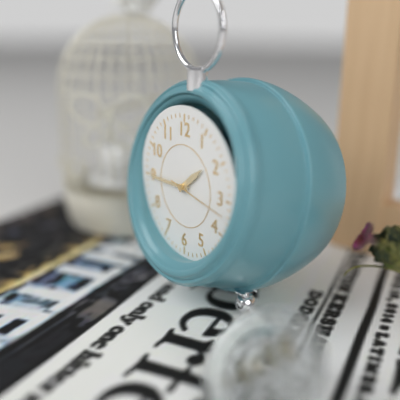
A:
h=1 m=45 s=17
